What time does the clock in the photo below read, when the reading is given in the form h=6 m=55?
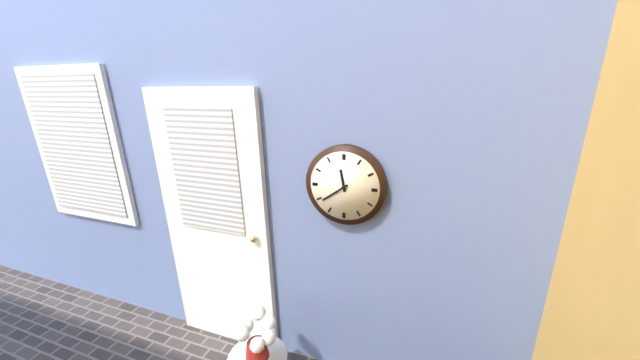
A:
h=11 m=39
